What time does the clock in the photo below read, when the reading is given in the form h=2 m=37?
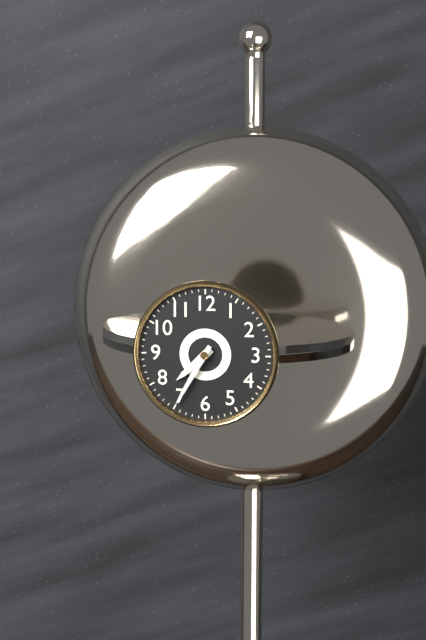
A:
h=7 m=35
